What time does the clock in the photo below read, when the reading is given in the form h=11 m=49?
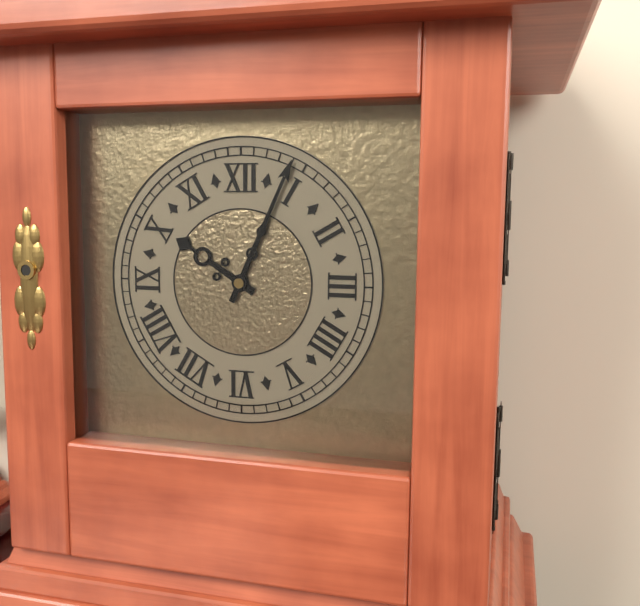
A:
h=10 m=4
